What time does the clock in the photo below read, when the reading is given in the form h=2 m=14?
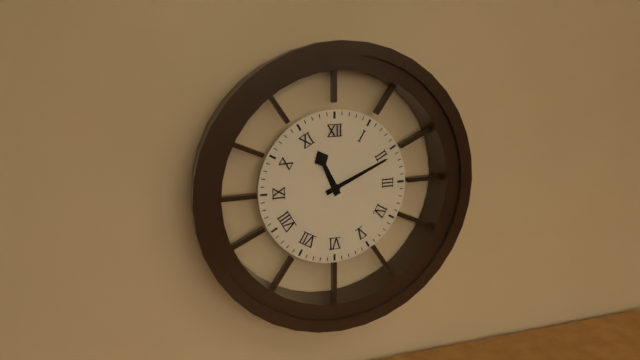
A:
h=11 m=11
